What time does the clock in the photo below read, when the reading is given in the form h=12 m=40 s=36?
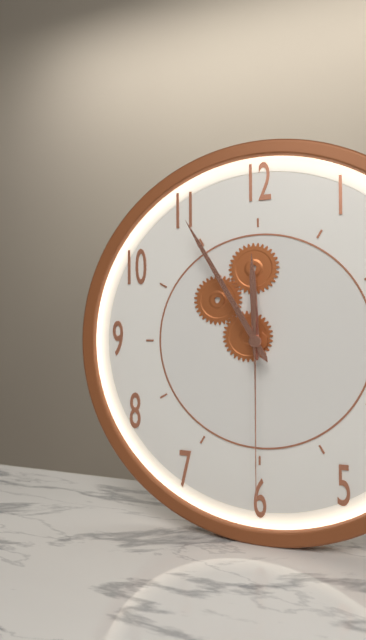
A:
h=11 m=55 s=30
